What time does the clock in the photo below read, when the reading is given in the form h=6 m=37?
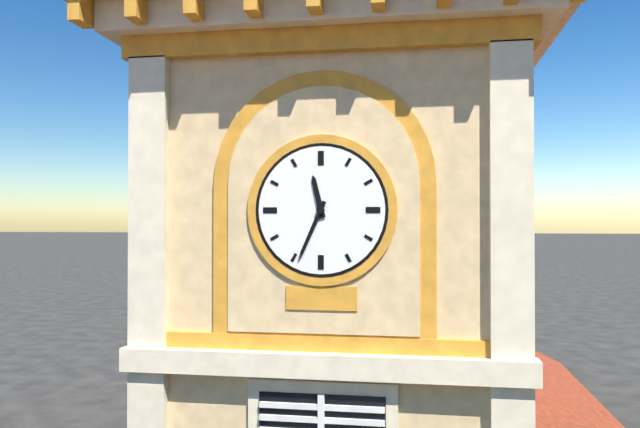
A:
h=11 m=34
